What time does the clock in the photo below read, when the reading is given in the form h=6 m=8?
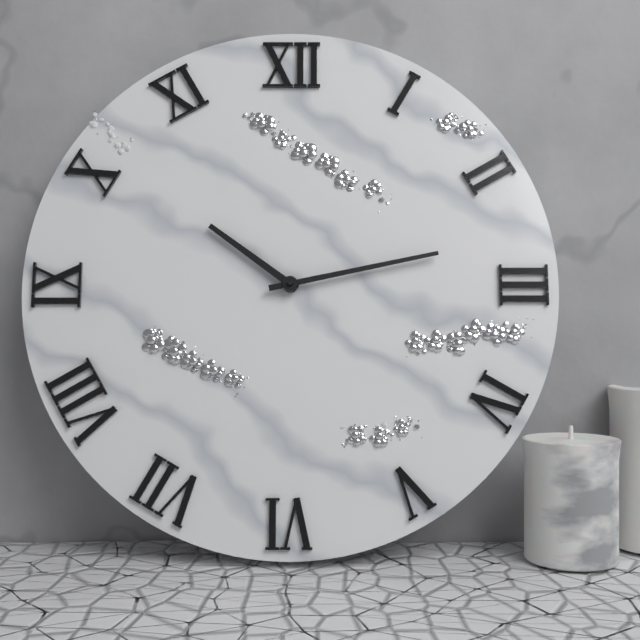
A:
h=10 m=13
